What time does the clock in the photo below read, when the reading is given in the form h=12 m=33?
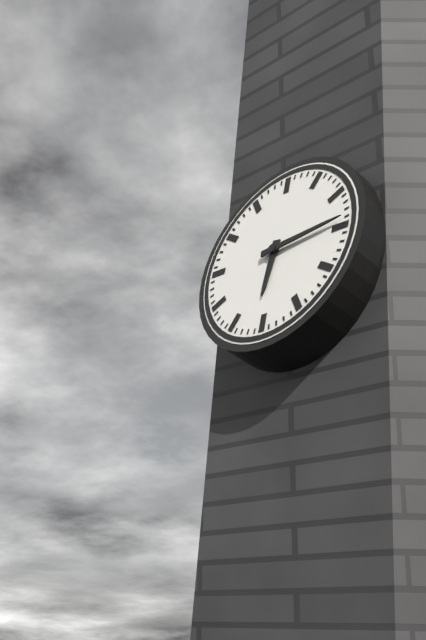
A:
h=6 m=14
